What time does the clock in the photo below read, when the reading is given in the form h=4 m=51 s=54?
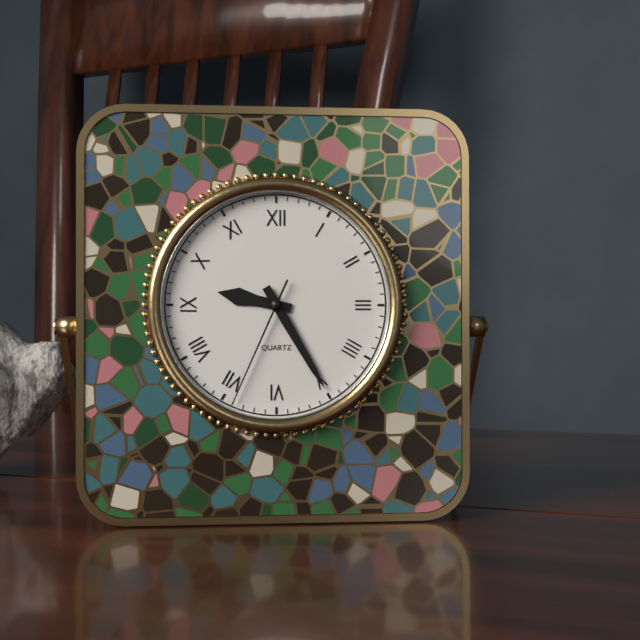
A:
h=9 m=25 s=34
